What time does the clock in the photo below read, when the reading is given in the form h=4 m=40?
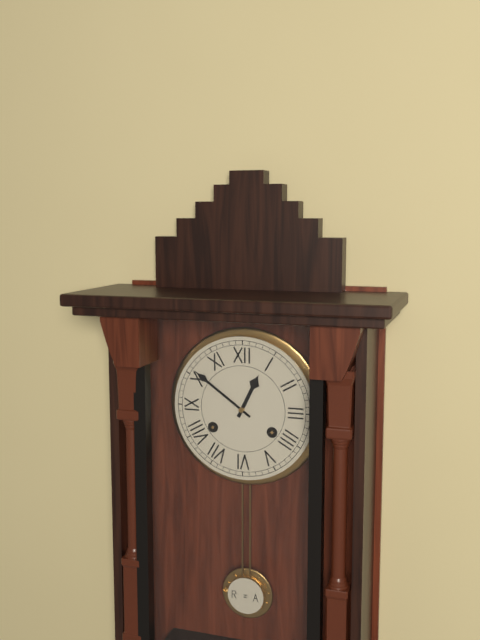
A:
h=12 m=51
